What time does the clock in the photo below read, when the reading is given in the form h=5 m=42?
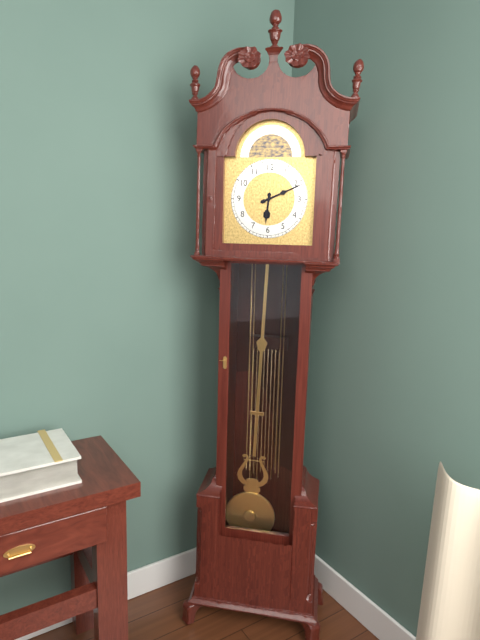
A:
h=6 m=11
